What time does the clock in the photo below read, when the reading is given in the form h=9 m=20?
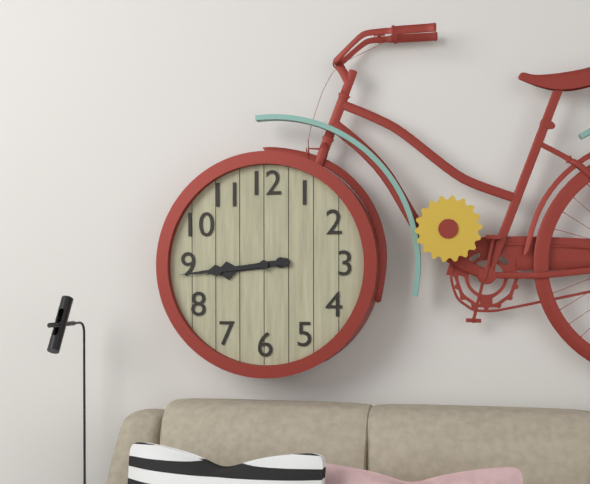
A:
h=8 m=44
